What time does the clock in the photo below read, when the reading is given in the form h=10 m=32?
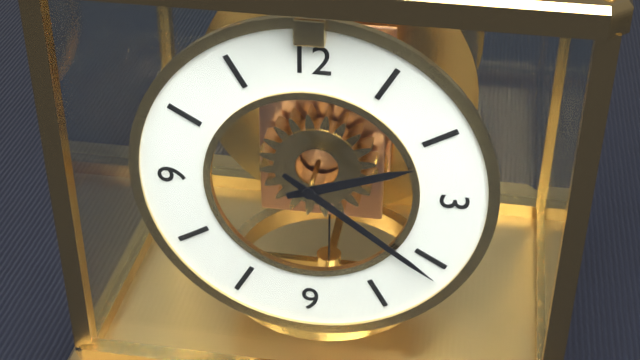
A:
h=2 m=21
